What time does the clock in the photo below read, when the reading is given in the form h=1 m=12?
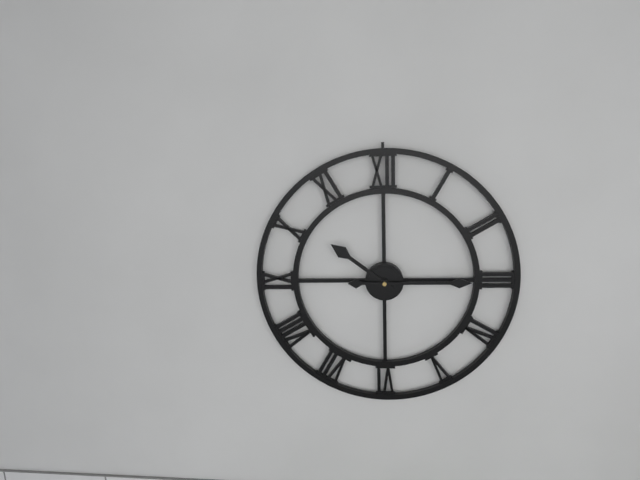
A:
h=10 m=15
